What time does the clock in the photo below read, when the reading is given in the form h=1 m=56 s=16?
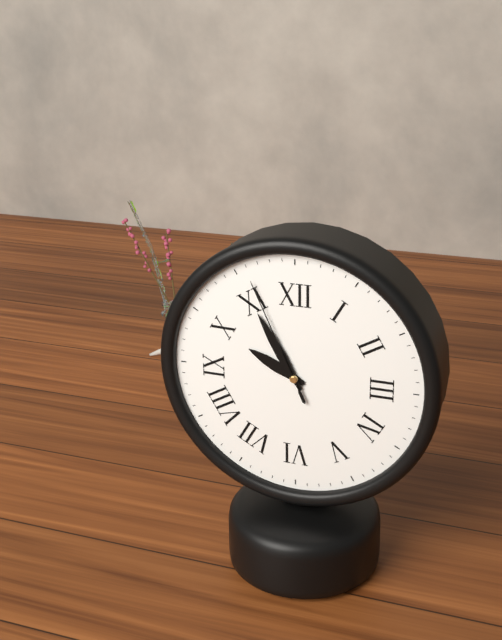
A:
h=9 m=55 s=56
